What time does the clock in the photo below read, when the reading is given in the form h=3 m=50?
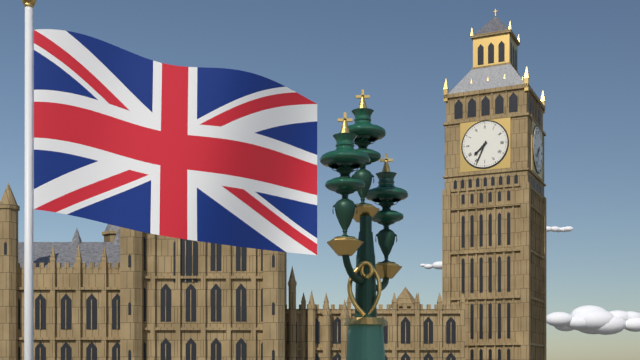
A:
h=7 m=34
